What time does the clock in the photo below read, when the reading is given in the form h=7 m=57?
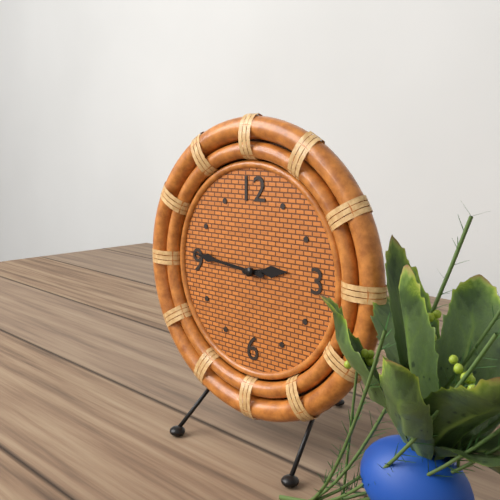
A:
h=2 m=46
